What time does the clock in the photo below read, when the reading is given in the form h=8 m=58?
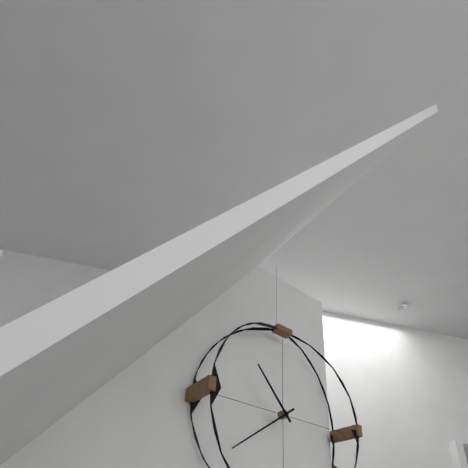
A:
h=10 m=39
